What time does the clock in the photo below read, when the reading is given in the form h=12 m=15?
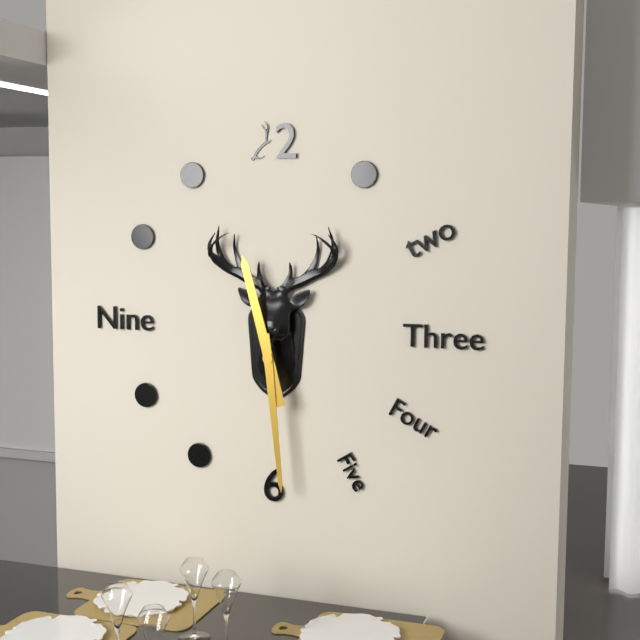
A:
h=11 m=29
